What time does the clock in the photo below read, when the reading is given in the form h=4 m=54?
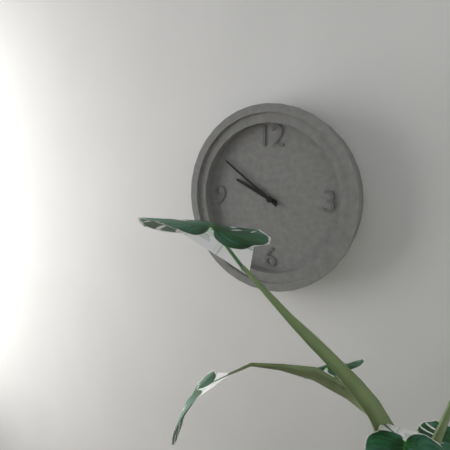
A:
h=9 m=51
